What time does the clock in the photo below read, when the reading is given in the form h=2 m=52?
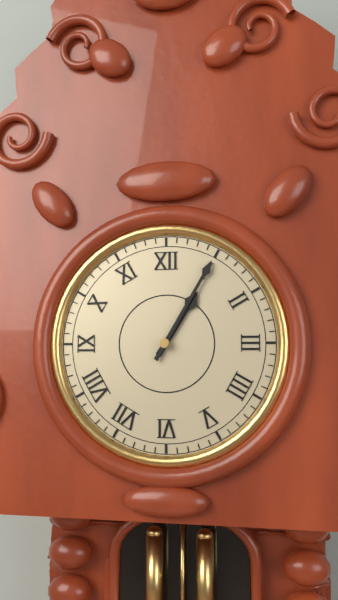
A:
h=1 m=5
